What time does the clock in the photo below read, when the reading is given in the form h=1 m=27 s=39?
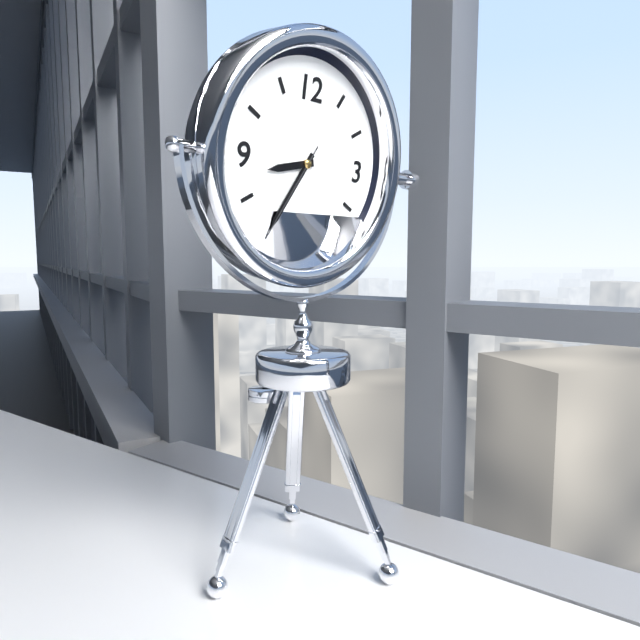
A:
h=8 m=35 s=35
